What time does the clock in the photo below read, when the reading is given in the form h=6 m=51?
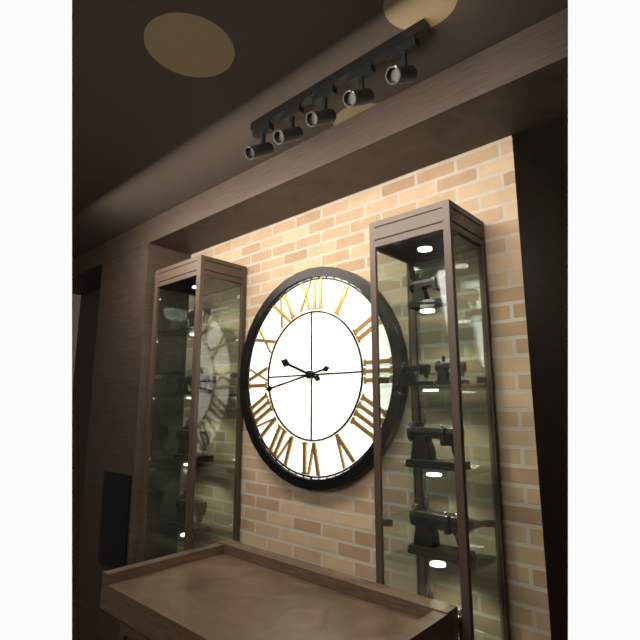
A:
h=9 m=43
